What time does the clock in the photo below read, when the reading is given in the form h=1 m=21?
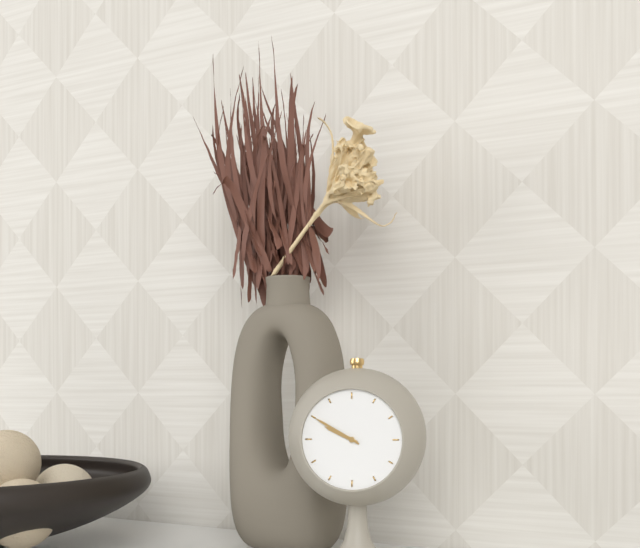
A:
h=9 m=50
